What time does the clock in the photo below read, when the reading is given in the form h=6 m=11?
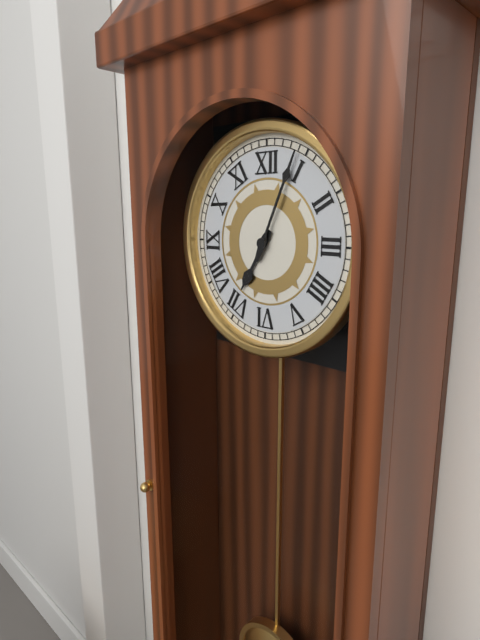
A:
h=7 m=4
